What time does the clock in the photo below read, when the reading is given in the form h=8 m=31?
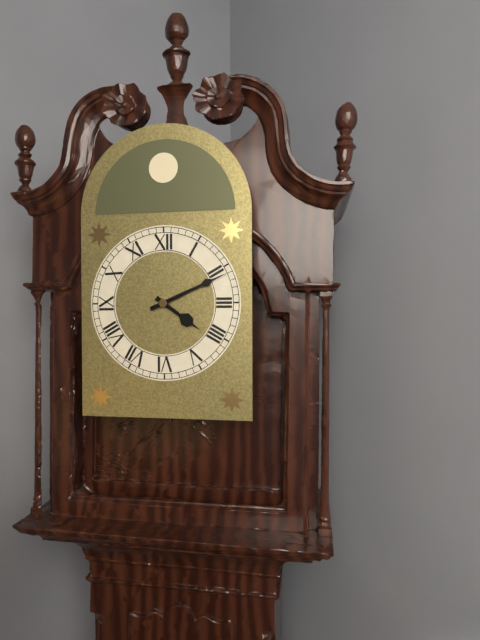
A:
h=4 m=11
